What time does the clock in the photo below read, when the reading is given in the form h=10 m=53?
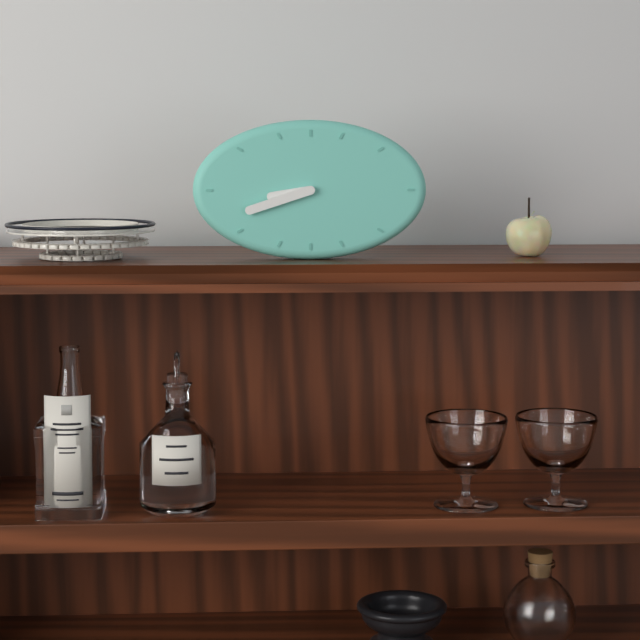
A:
h=8 m=42
